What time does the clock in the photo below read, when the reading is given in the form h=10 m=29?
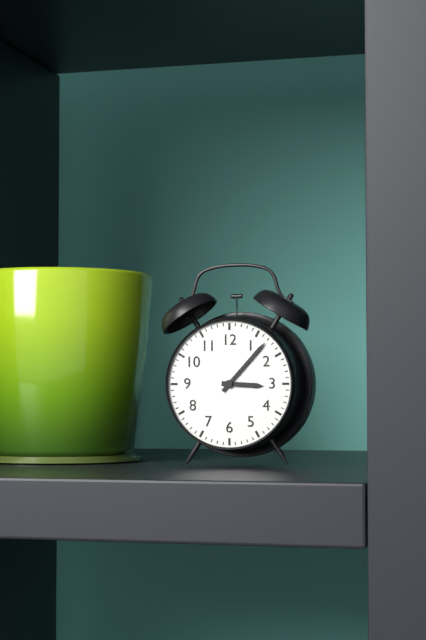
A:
h=3 m=7
